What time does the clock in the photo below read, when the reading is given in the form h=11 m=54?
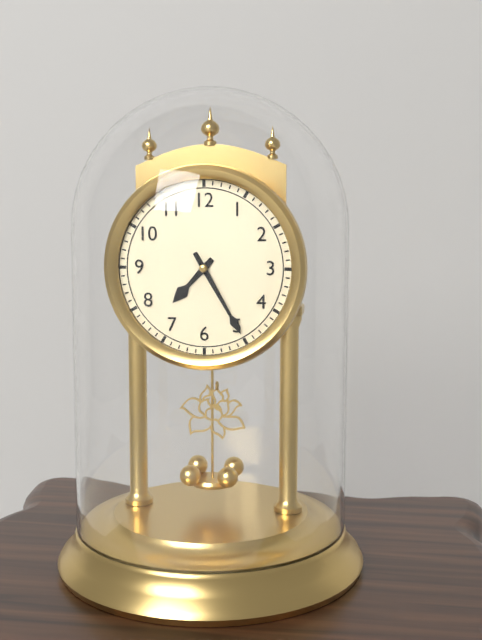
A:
h=7 m=25
